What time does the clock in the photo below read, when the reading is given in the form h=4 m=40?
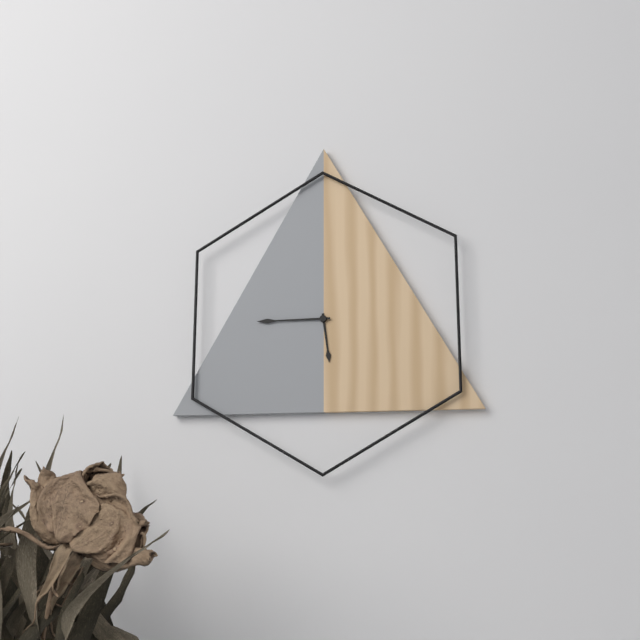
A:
h=5 m=45
